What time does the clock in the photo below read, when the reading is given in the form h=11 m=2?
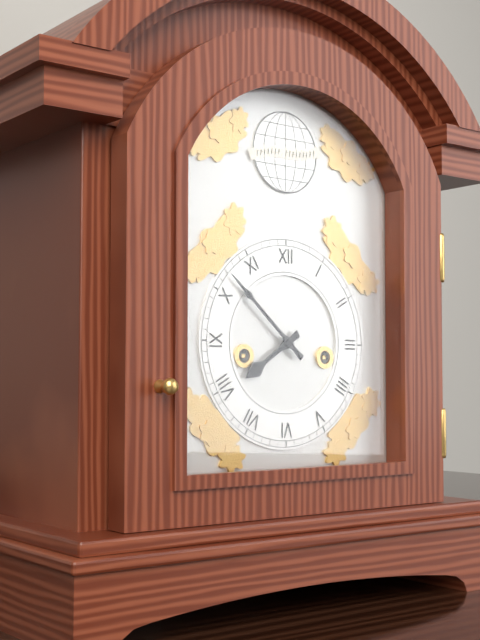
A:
h=7 m=52
